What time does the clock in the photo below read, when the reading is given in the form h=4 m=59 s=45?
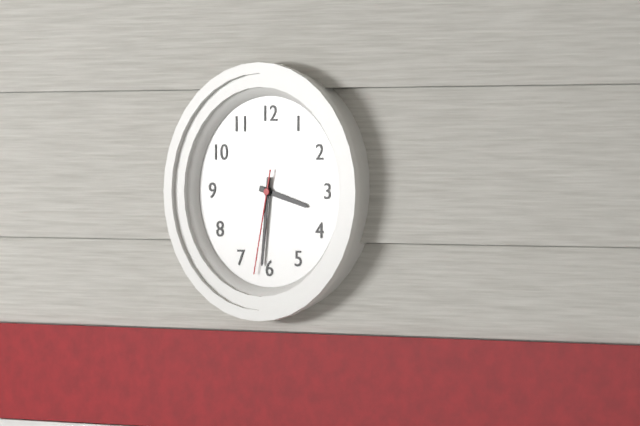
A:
h=3 m=31 s=32
